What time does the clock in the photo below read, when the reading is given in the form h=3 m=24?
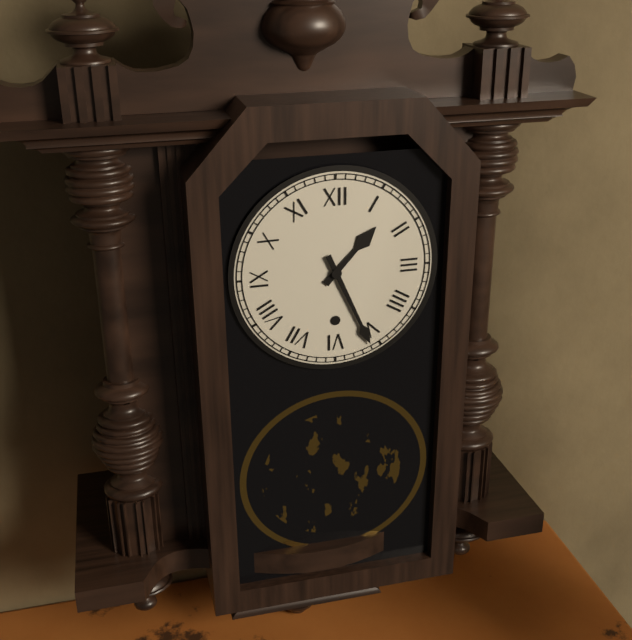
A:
h=1 m=26
